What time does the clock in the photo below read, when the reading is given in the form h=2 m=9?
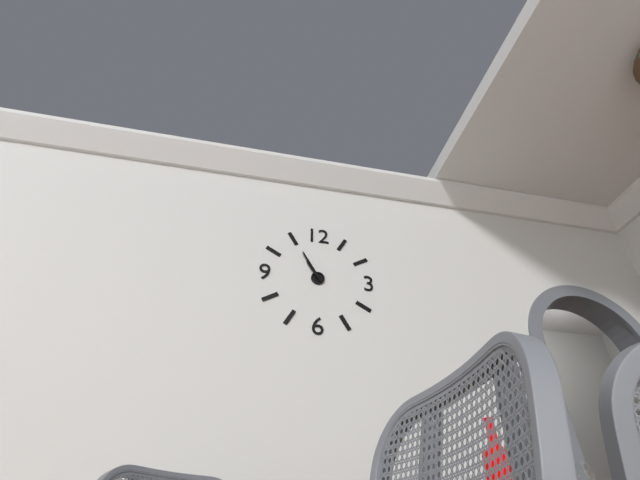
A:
h=10 m=55
